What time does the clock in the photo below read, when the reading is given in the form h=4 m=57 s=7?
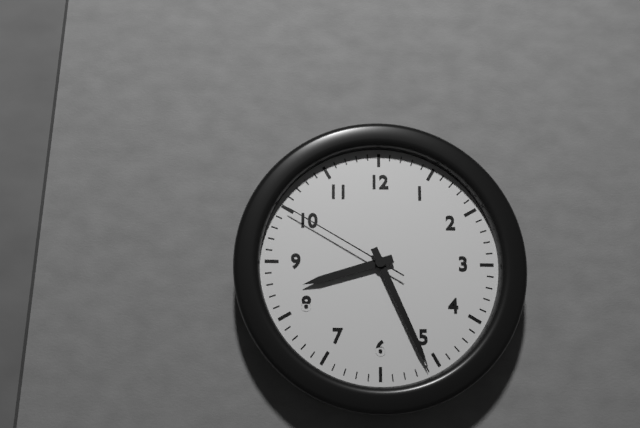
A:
h=8 m=26 s=50
